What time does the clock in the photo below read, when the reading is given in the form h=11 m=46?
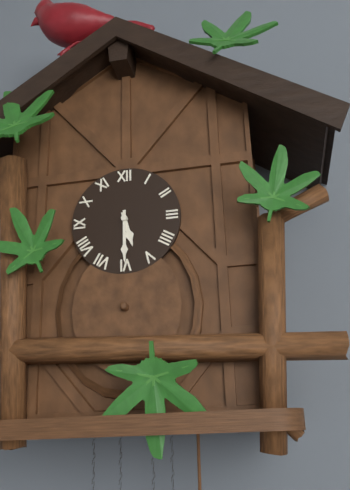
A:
h=5 m=30
